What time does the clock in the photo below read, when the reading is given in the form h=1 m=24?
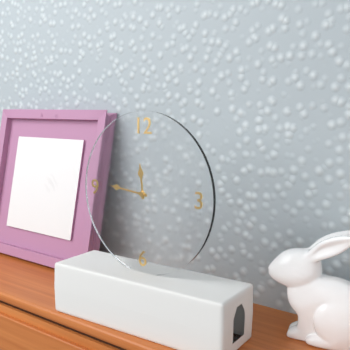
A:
h=11 m=46
